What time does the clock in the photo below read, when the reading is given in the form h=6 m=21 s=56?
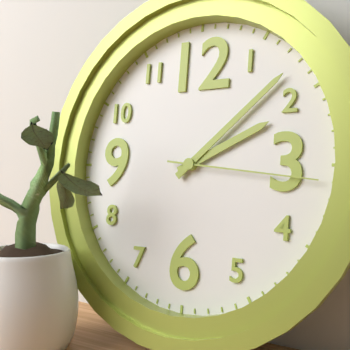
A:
h=2 m=8 s=16
